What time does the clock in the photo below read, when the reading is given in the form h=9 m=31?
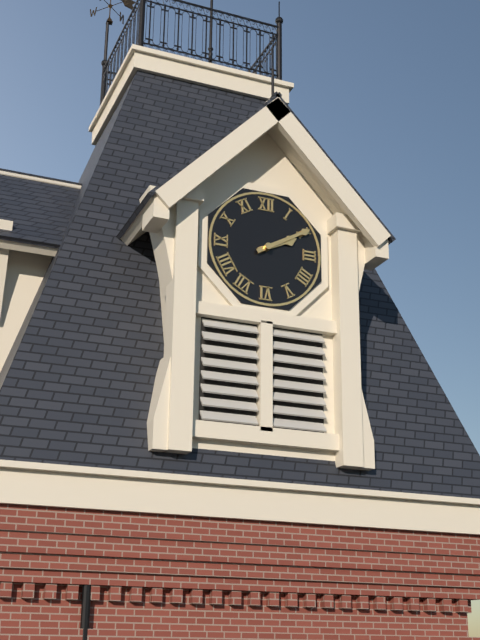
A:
h=2 m=10
